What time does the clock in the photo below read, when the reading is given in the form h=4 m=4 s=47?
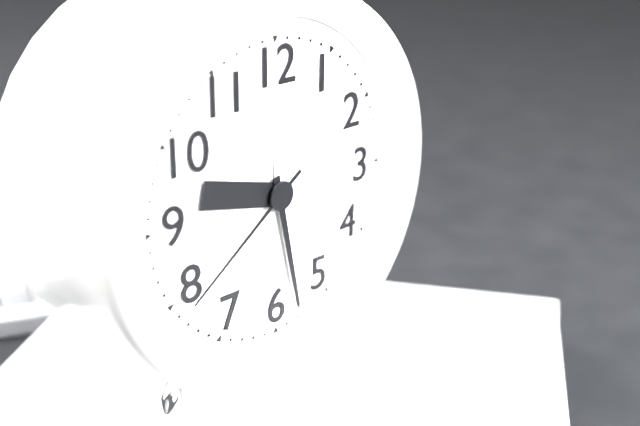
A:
h=9 m=28 s=39
